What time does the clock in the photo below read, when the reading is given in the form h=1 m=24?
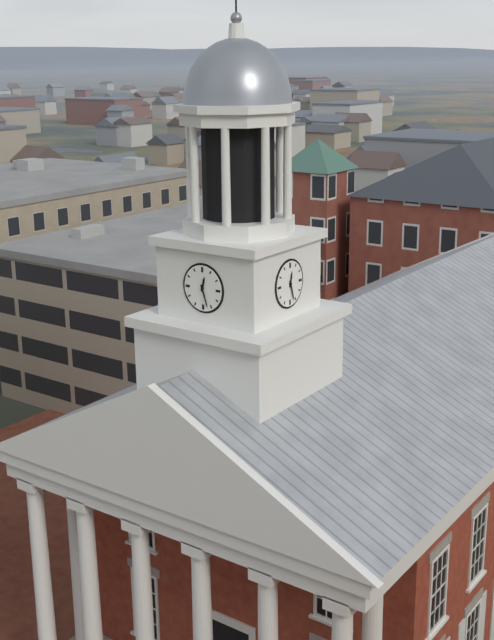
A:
h=12 m=27
